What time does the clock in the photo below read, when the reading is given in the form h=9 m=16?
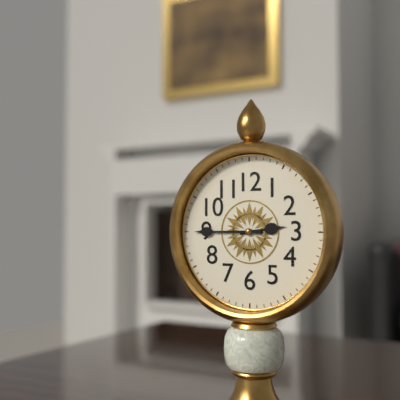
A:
h=2 m=45
